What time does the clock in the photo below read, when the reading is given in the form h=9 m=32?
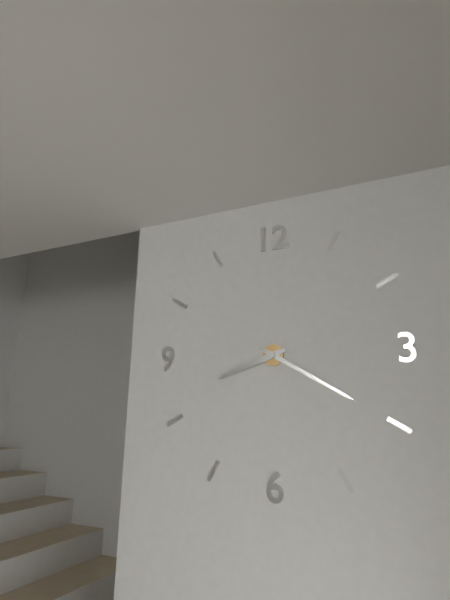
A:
h=8 m=20
